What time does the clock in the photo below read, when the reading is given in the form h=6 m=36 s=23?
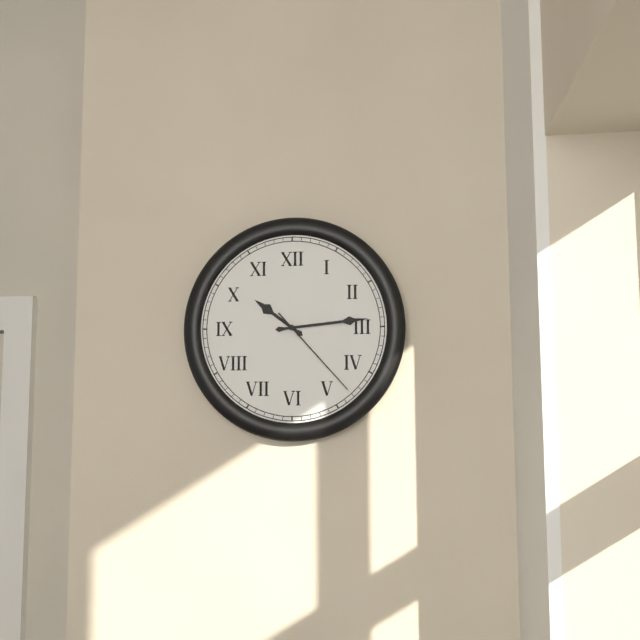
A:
h=10 m=14 s=23
